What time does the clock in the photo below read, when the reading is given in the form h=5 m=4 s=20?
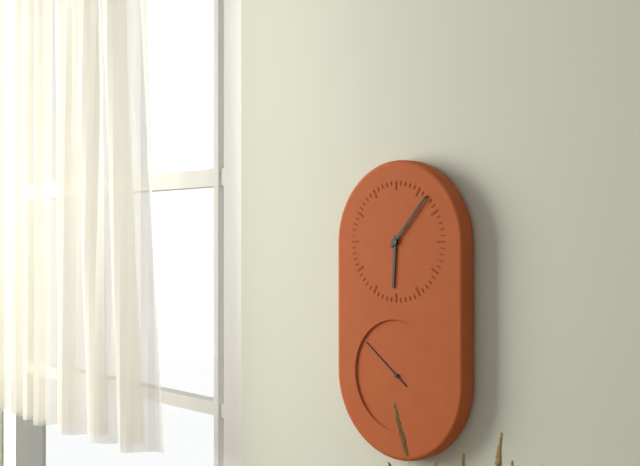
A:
h=6 m=7 s=51
